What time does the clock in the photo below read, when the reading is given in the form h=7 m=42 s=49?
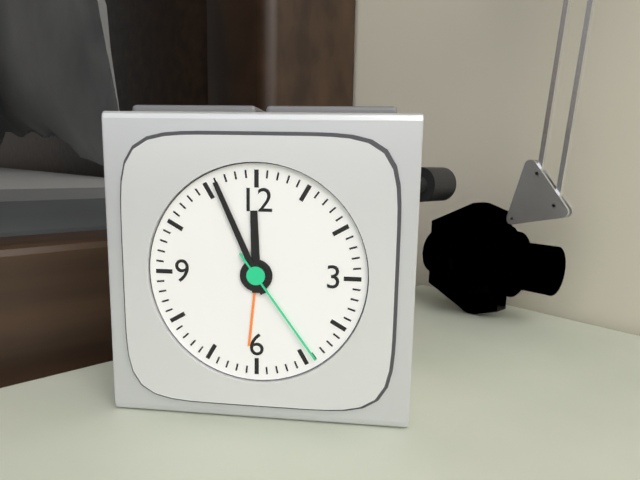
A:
h=11 m=56 s=24
